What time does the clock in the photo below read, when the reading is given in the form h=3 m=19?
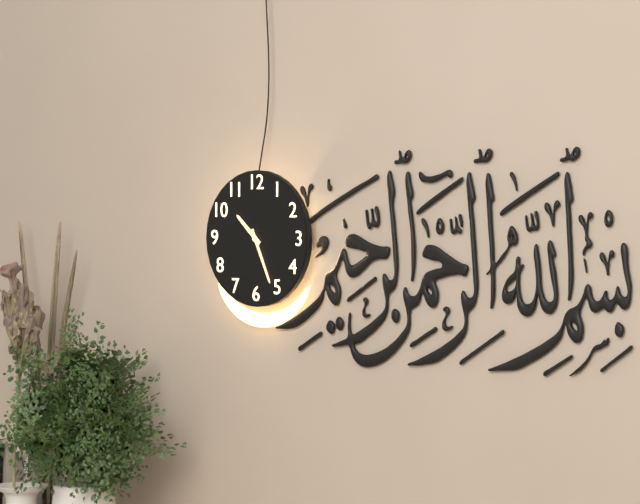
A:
h=10 m=26
